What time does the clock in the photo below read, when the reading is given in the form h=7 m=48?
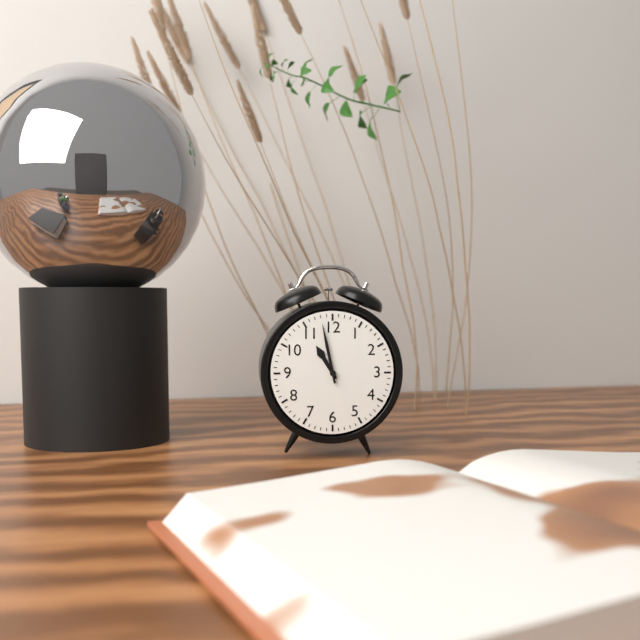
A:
h=10 m=58
